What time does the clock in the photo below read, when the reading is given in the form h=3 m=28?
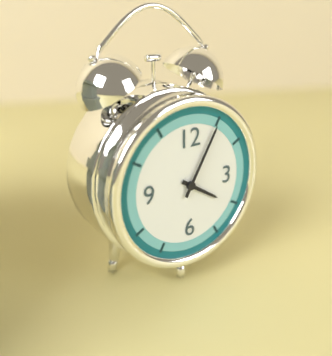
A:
h=4 m=5
